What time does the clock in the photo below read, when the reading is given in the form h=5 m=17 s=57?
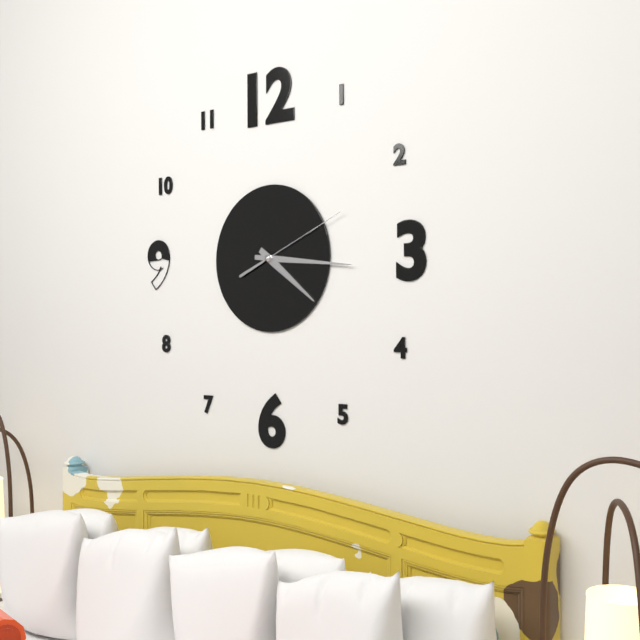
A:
h=4 m=16 s=11
